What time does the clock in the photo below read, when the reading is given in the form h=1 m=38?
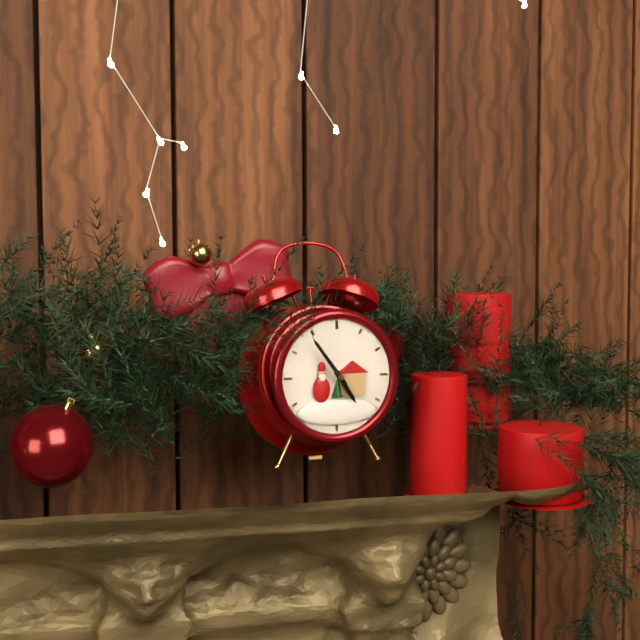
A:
h=4 m=54
